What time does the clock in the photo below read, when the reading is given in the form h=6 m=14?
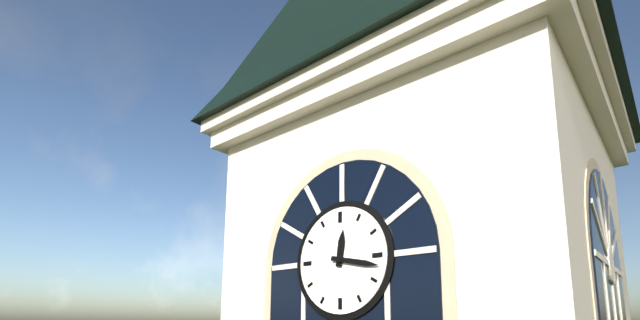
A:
h=12 m=17
